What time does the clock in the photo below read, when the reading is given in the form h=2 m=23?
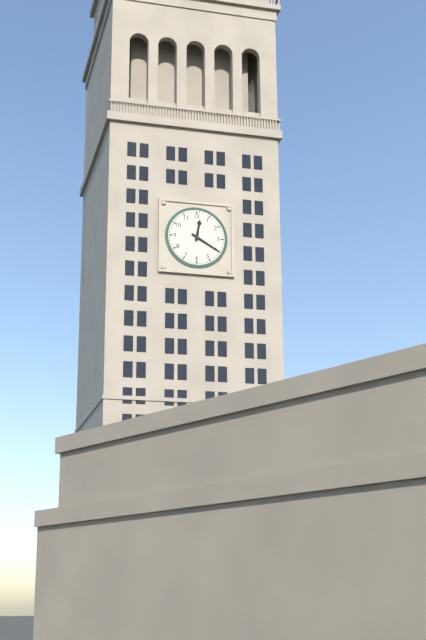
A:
h=12 m=20
